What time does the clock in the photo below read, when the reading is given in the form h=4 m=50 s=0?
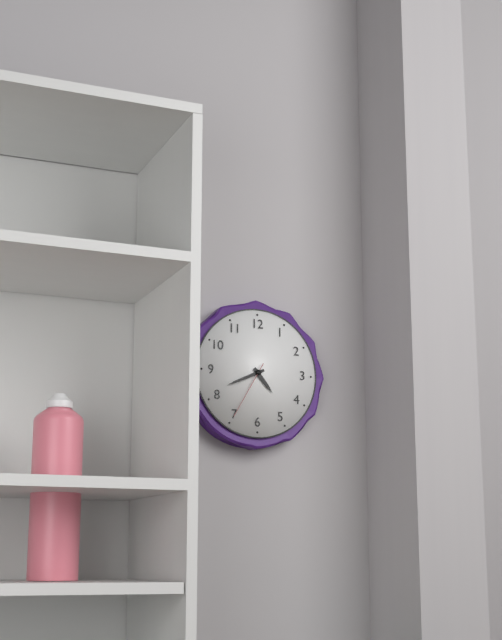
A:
h=4 m=41 s=35
